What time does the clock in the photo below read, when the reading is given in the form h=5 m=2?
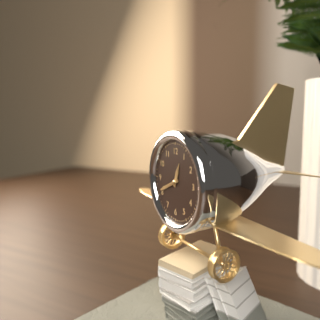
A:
h=12 m=41
